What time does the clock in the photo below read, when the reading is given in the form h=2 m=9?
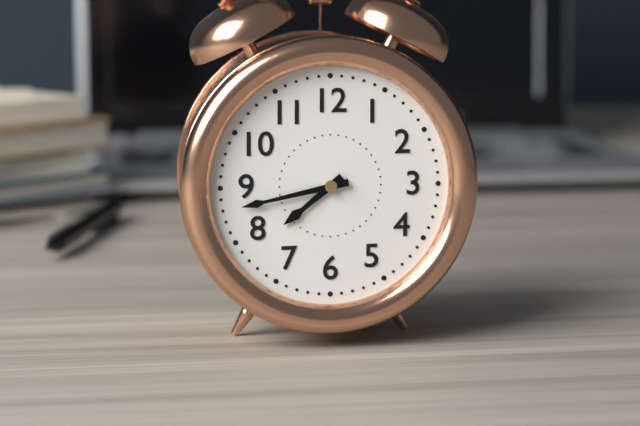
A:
h=7 m=43
